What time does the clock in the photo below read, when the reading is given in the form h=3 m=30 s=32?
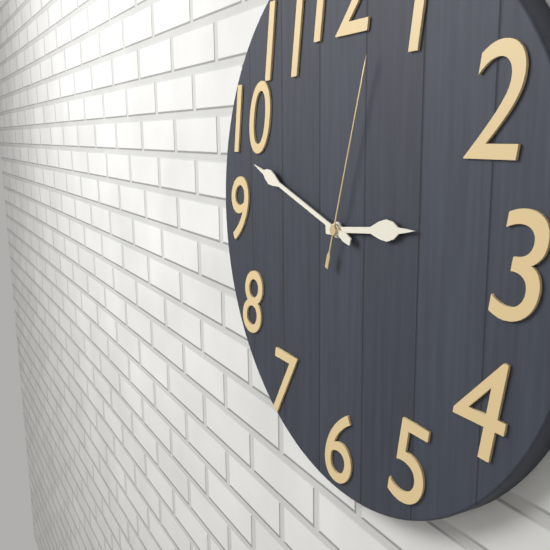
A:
h=2 m=48 s=3
